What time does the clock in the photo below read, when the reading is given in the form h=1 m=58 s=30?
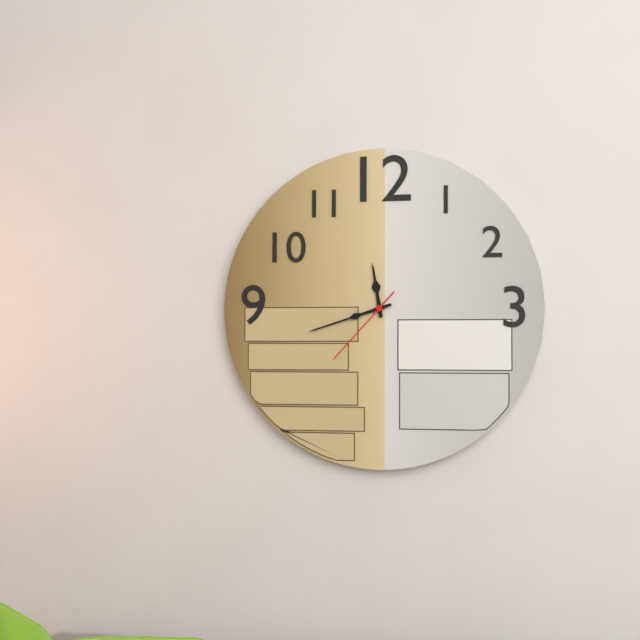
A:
h=11 m=42 s=37
